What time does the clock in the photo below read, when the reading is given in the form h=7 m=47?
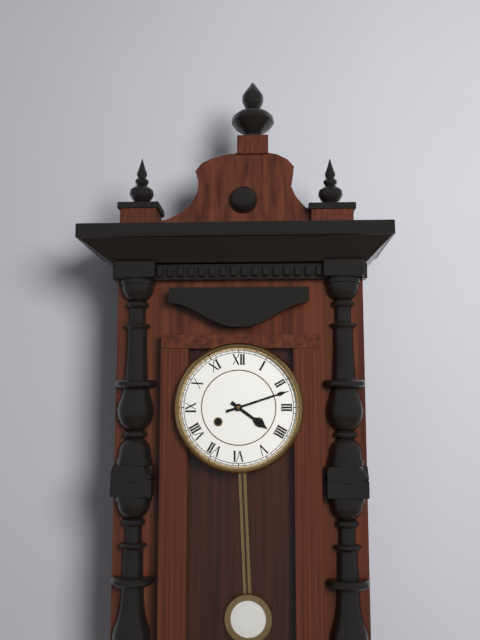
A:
h=4 m=12
